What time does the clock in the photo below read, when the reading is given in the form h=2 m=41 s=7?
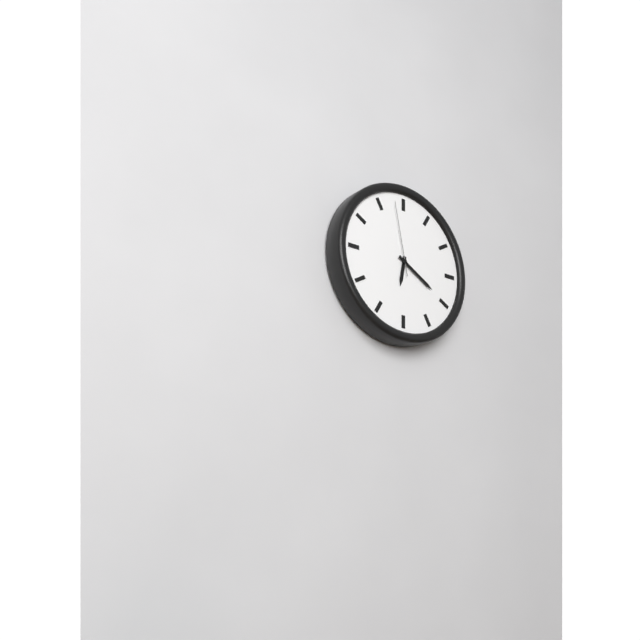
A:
h=6 m=20 s=58
